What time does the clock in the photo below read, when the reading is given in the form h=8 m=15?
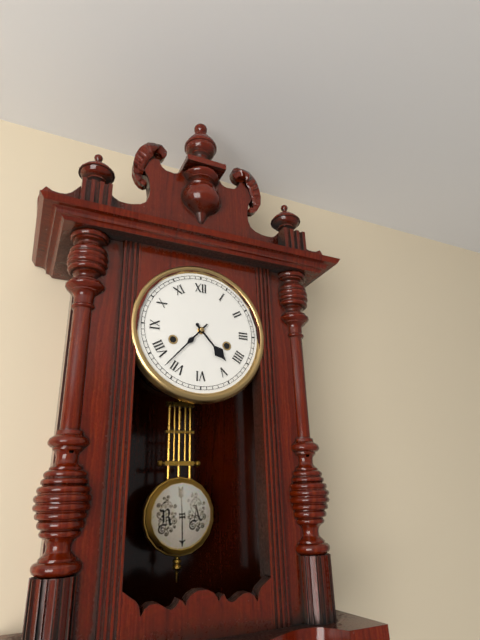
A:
h=4 m=37
